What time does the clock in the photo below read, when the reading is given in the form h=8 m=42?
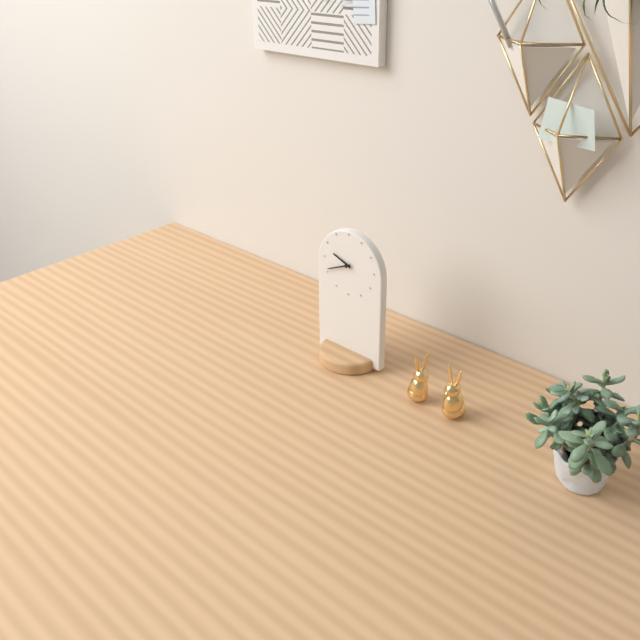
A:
h=9 m=41
